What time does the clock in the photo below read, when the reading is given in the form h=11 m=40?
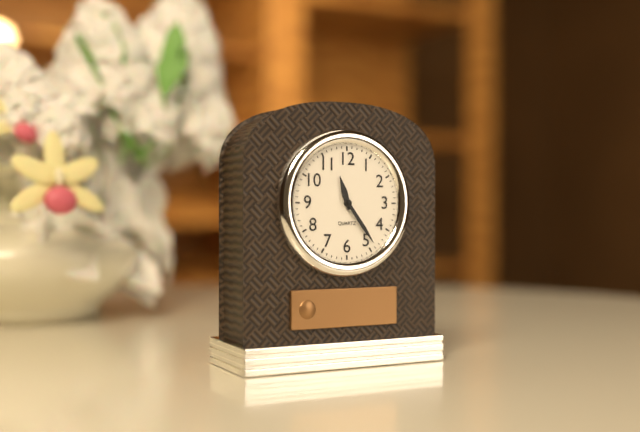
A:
h=11 m=24
